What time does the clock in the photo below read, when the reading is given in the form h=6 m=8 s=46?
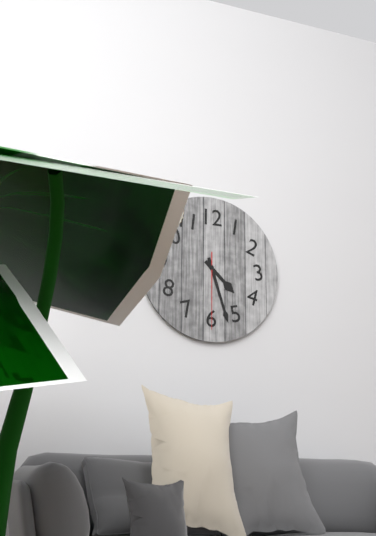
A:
h=4 m=27 s=30
